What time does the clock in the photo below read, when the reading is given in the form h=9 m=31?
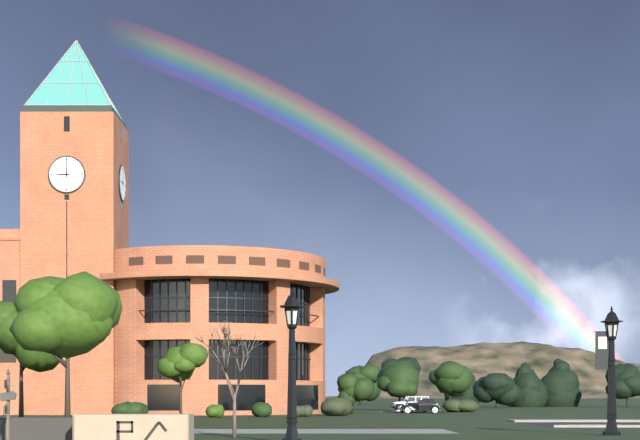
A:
h=9 m=0
